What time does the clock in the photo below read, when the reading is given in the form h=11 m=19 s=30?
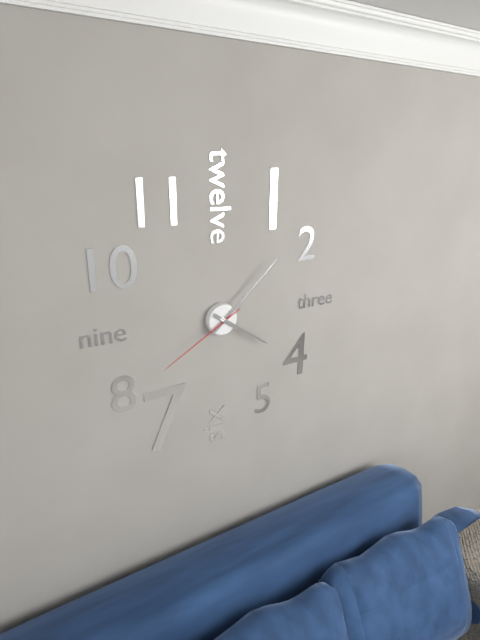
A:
h=4 m=8 s=40
